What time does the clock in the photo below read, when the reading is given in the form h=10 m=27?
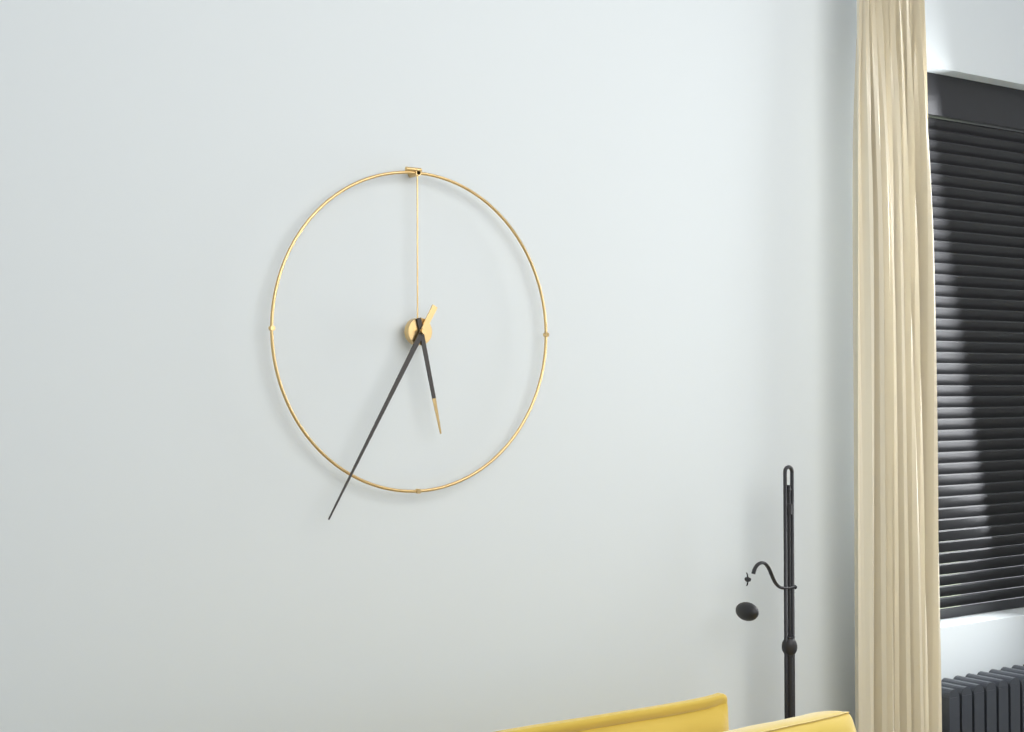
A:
h=5 m=35
